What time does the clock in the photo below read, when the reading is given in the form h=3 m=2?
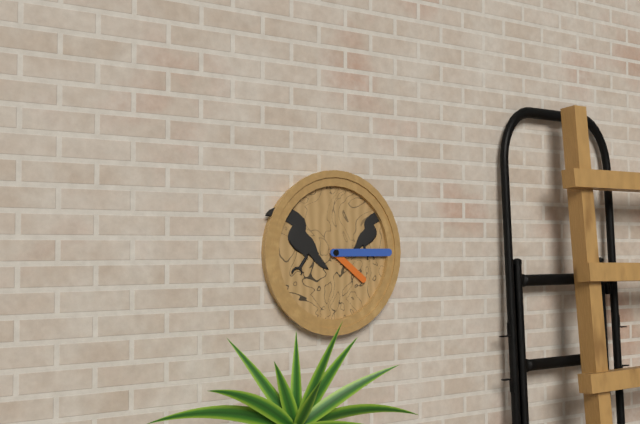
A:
h=4 m=15
